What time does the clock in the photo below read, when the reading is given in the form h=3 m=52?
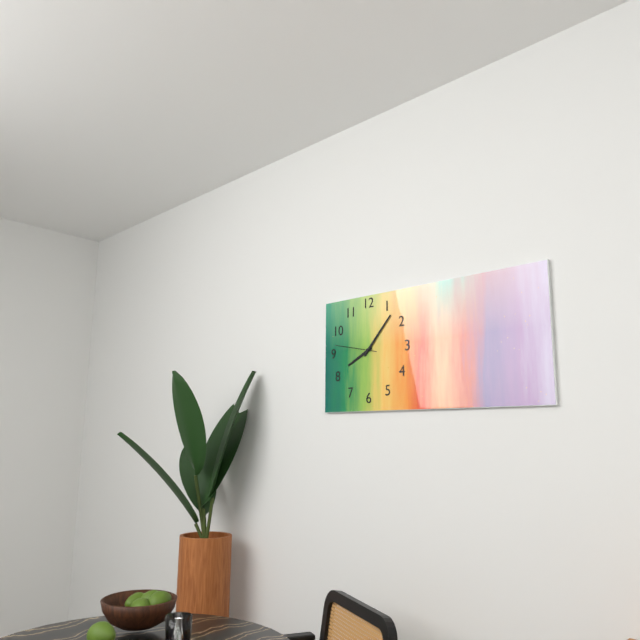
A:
h=8 m=7
